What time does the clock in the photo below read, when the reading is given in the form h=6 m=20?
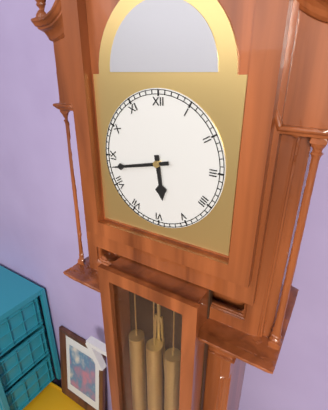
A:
h=5 m=43
